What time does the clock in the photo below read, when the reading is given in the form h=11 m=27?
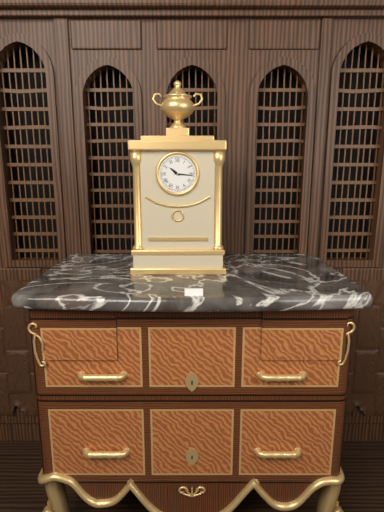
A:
h=10 m=16
